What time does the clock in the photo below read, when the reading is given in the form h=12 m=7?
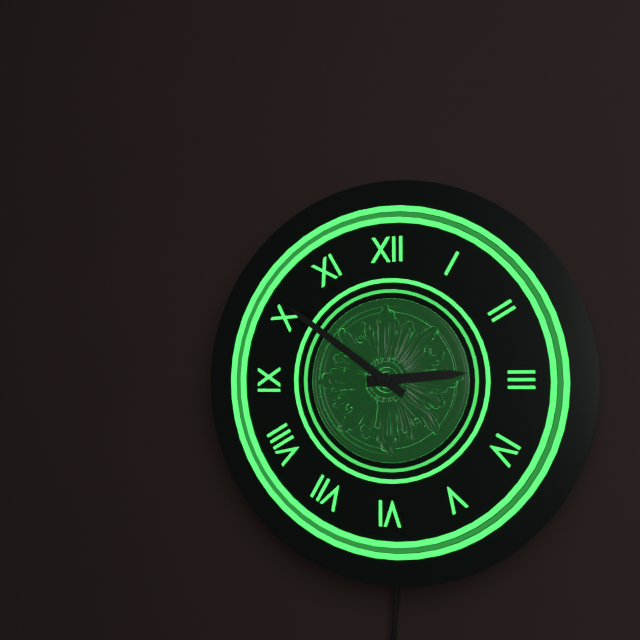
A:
h=2 m=51
